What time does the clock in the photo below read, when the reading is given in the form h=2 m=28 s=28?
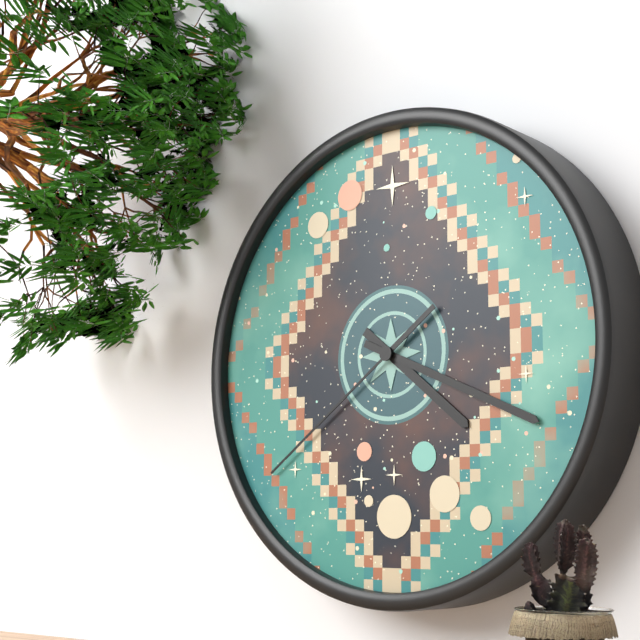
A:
h=4 m=19 s=39
